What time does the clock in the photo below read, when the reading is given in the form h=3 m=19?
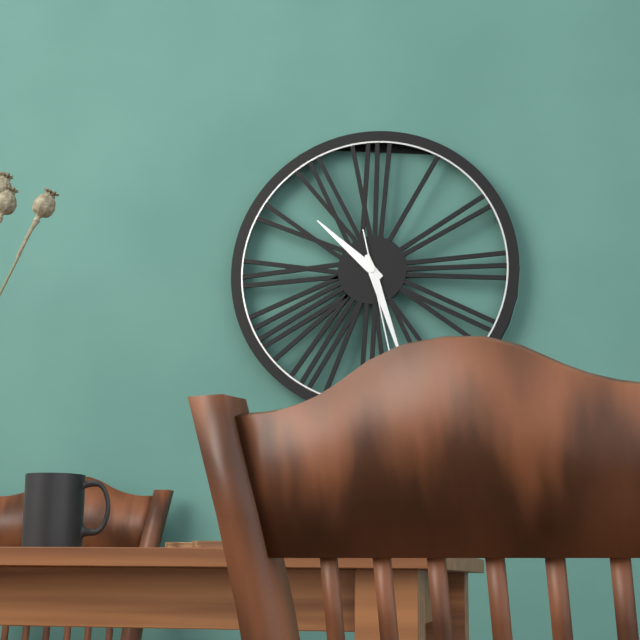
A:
h=10 m=27
